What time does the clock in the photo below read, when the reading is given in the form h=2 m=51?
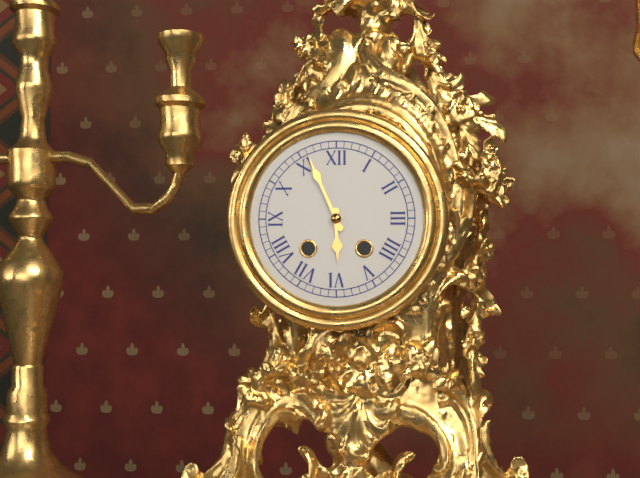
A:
h=5 m=56
